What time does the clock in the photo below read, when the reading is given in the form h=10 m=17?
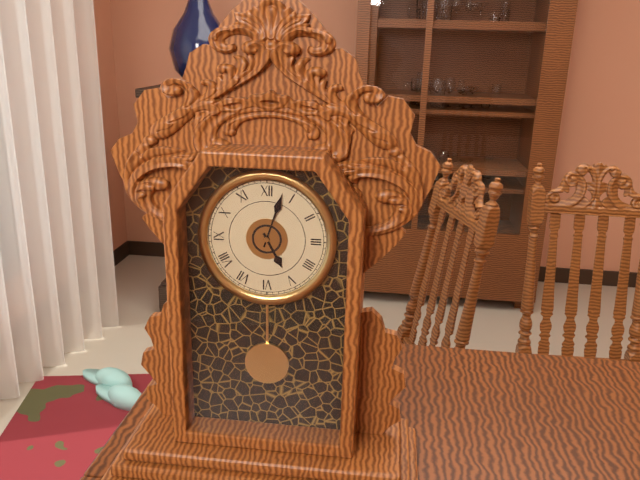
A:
h=5 m=3
